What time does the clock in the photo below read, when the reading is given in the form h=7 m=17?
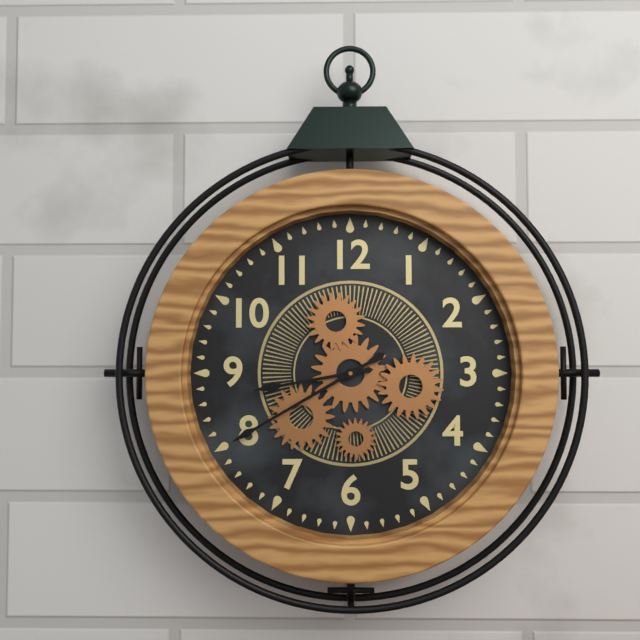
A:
h=8 m=40
